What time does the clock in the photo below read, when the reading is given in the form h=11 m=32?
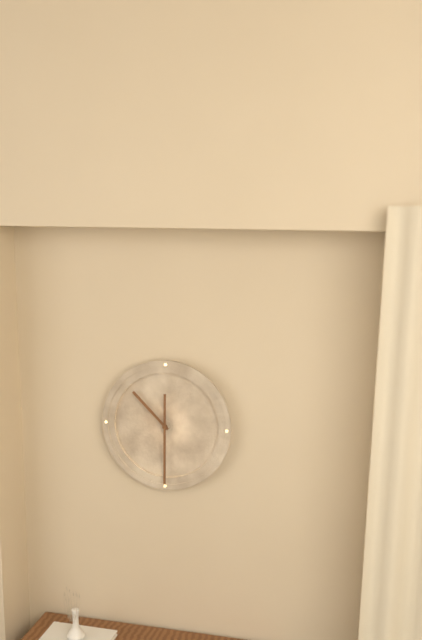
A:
h=10 m=30
